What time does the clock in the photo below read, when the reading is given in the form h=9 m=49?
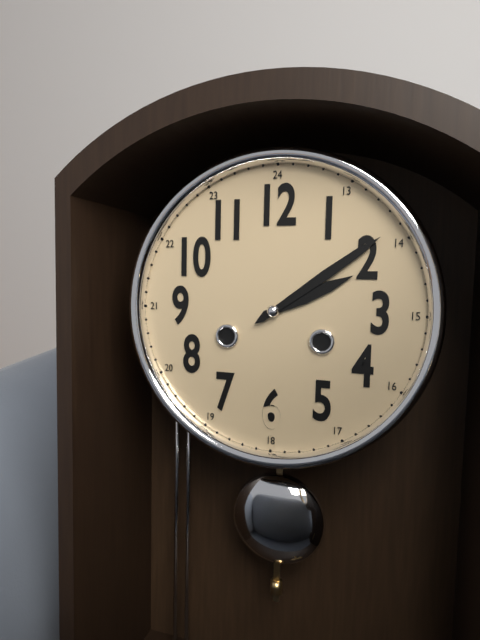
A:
h=2 m=9
